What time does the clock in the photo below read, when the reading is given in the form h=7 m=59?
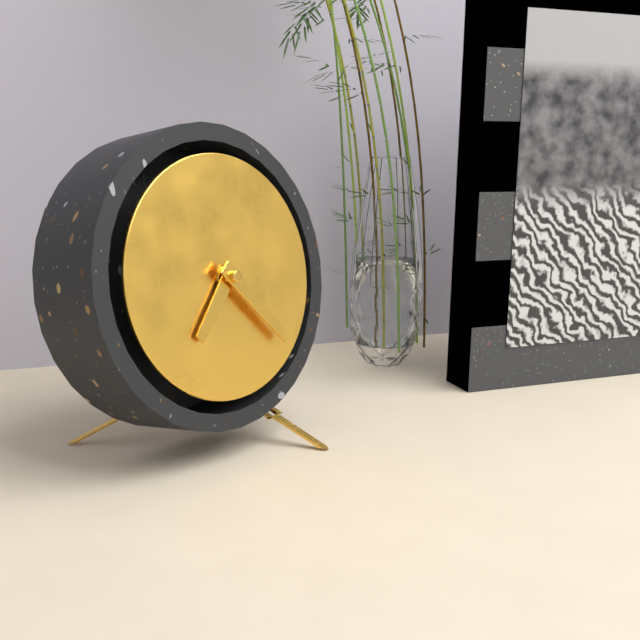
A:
h=7 m=23
